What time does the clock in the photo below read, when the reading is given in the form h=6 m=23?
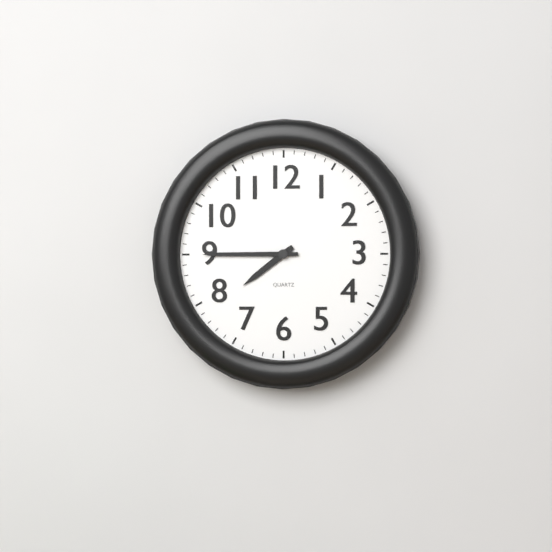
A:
h=7 m=45
